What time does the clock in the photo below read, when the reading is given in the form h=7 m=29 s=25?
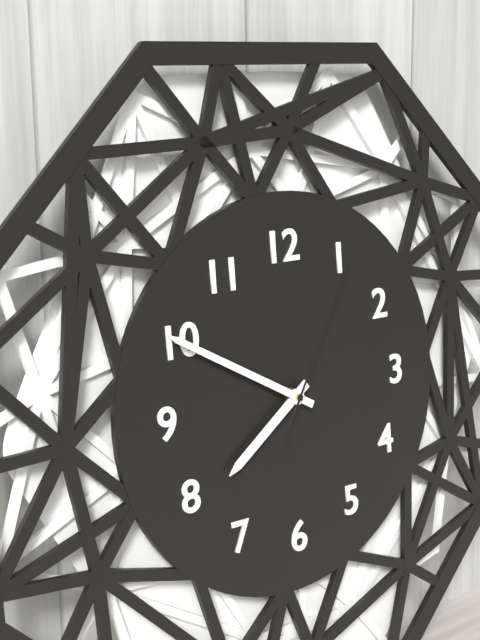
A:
h=7 m=50 s=5
